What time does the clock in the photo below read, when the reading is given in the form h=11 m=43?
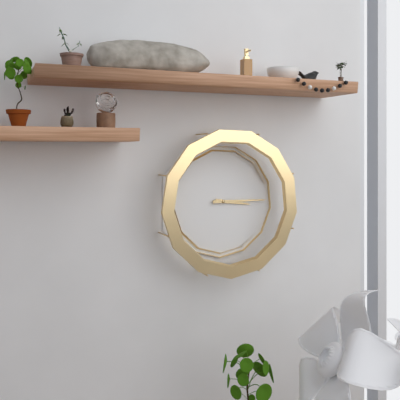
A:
h=3 m=15
